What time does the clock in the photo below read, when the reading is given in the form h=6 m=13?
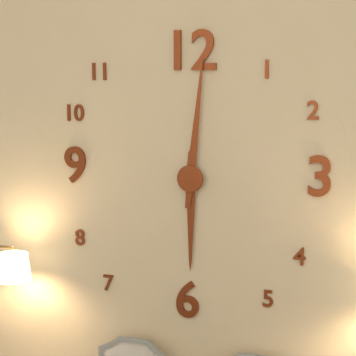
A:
h=6 m=1
